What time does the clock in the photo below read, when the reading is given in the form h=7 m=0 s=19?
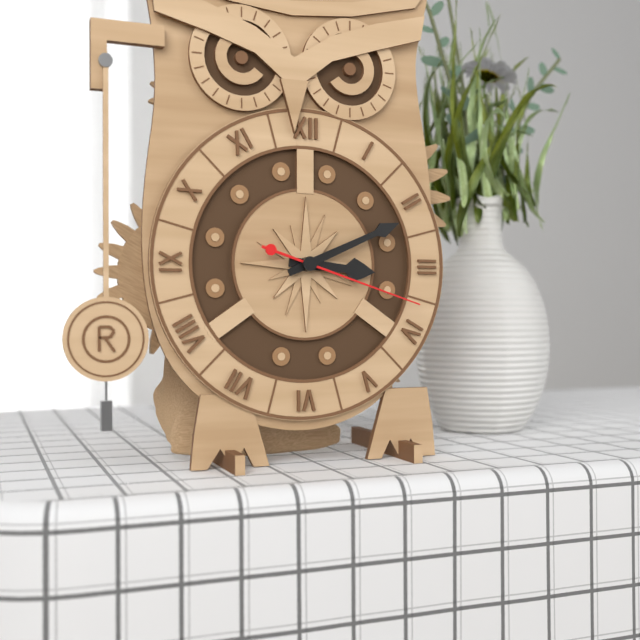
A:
h=3 m=11 s=18
